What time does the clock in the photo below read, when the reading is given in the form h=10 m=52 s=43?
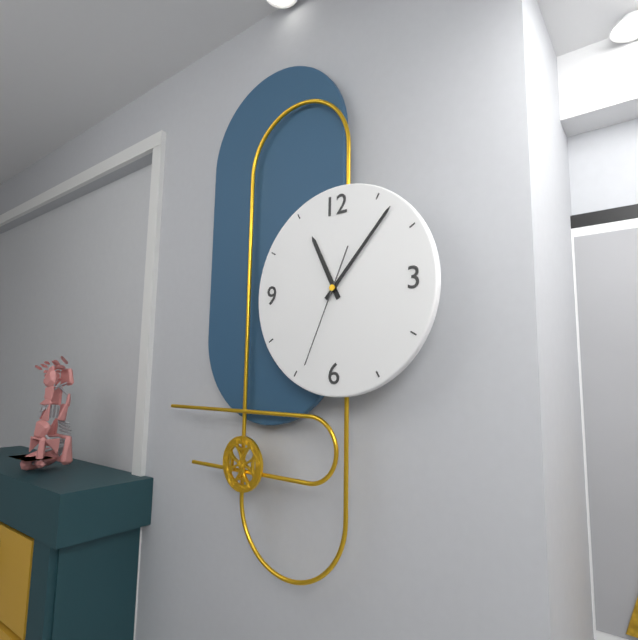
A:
h=11 m=7 s=34
